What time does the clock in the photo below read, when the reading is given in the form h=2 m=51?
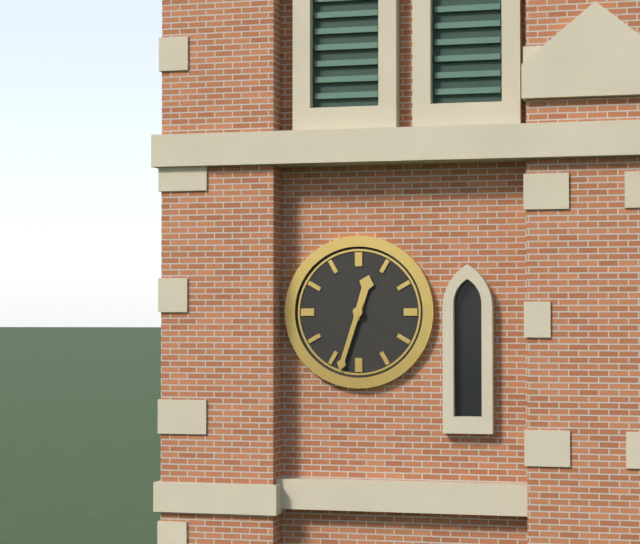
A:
h=12 m=33
